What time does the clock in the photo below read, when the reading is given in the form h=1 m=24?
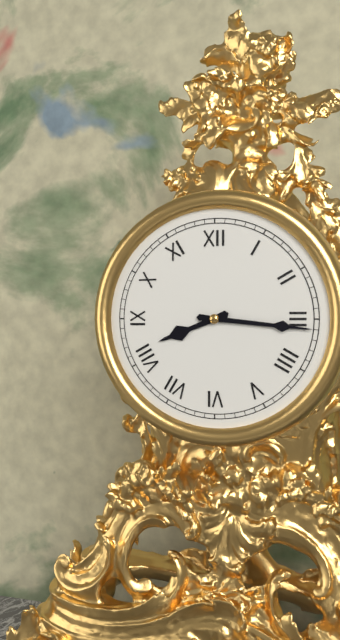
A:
h=8 m=16
